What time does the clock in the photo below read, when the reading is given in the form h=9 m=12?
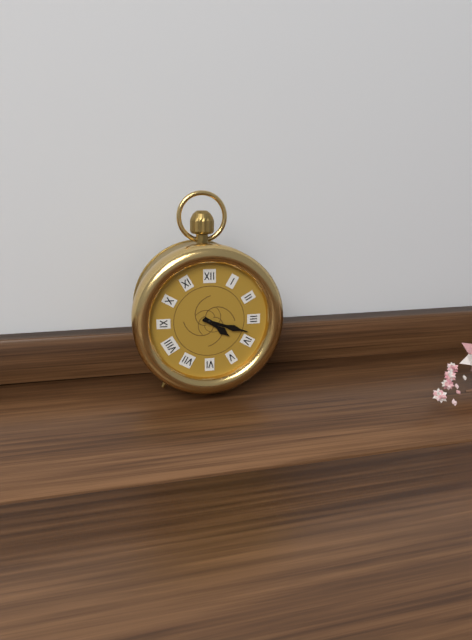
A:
h=4 m=18
